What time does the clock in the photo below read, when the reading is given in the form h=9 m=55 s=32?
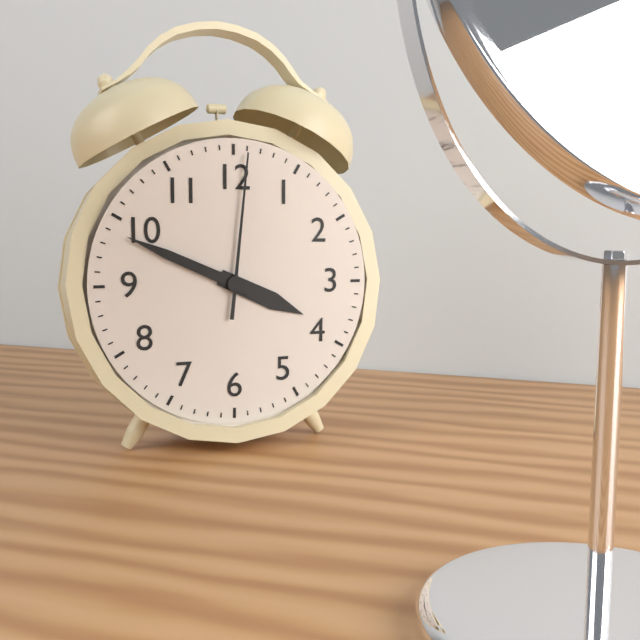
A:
h=3 m=49 s=1
